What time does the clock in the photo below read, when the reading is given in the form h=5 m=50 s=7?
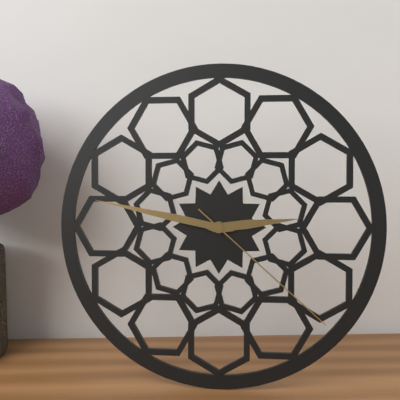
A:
h=2 m=47 s=22
